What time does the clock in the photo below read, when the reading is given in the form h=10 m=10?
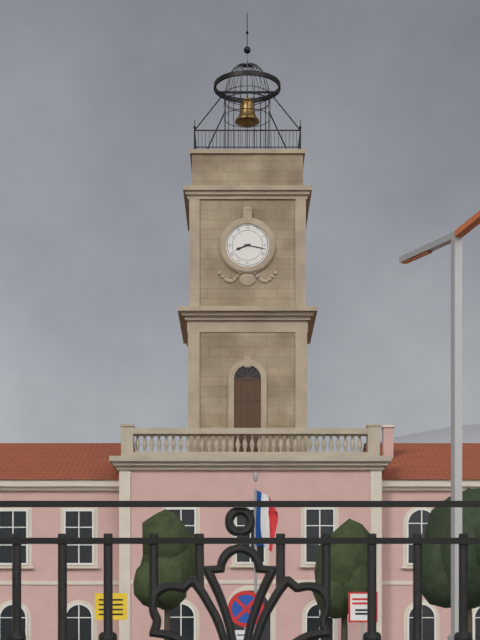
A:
h=8 m=17
